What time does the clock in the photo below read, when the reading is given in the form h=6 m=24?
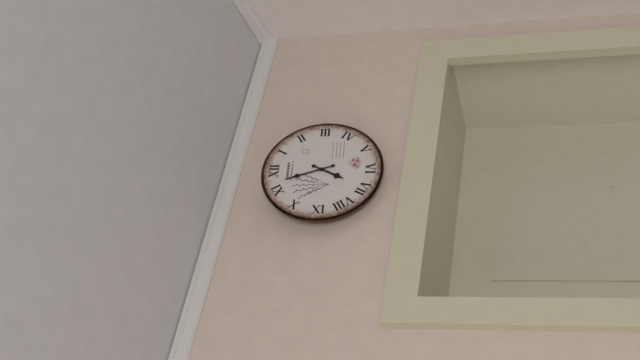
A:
h=6 m=57
